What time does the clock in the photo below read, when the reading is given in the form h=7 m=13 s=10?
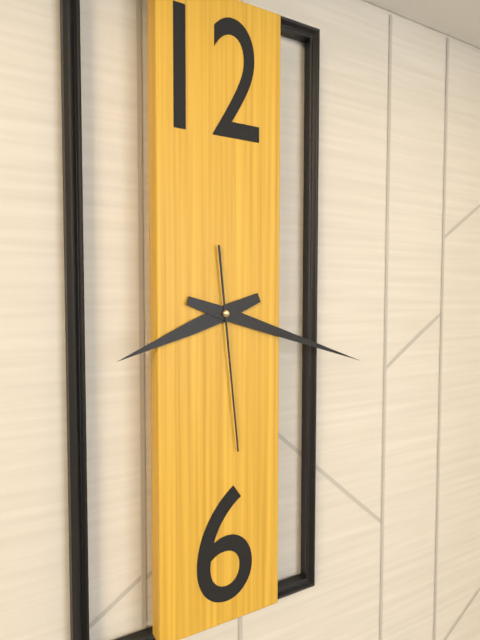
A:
h=8 m=18 s=29
